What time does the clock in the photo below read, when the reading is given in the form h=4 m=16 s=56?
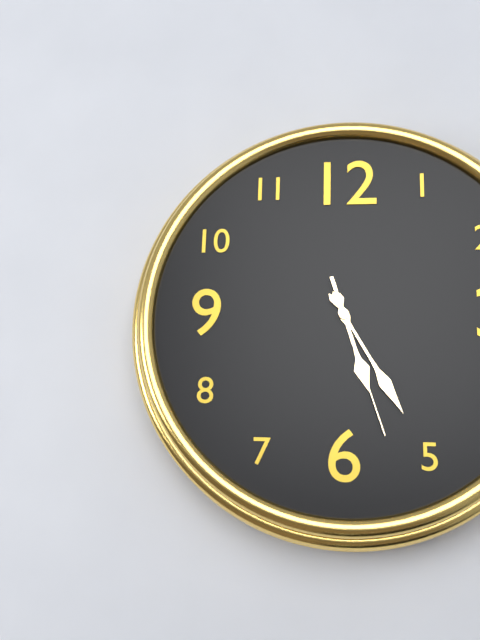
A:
h=5 m=25 s=27
